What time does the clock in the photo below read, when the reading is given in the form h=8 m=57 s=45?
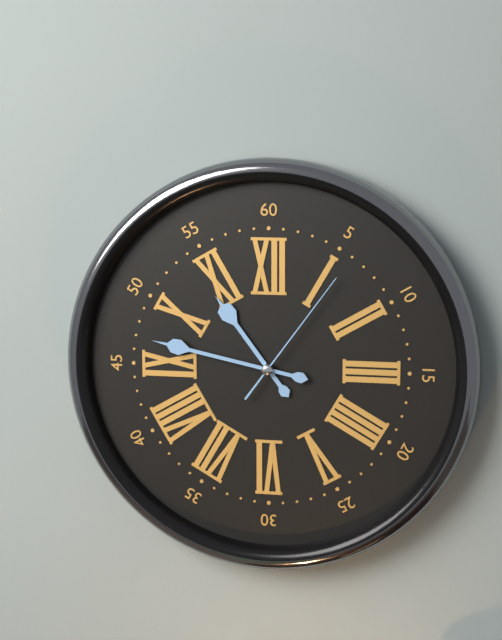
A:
h=10 m=47 s=6
